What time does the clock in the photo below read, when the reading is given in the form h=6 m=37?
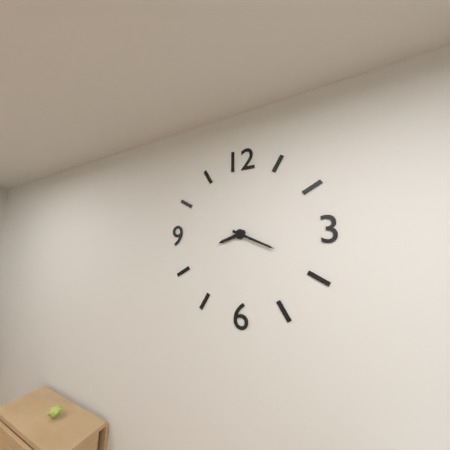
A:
h=8 m=19
